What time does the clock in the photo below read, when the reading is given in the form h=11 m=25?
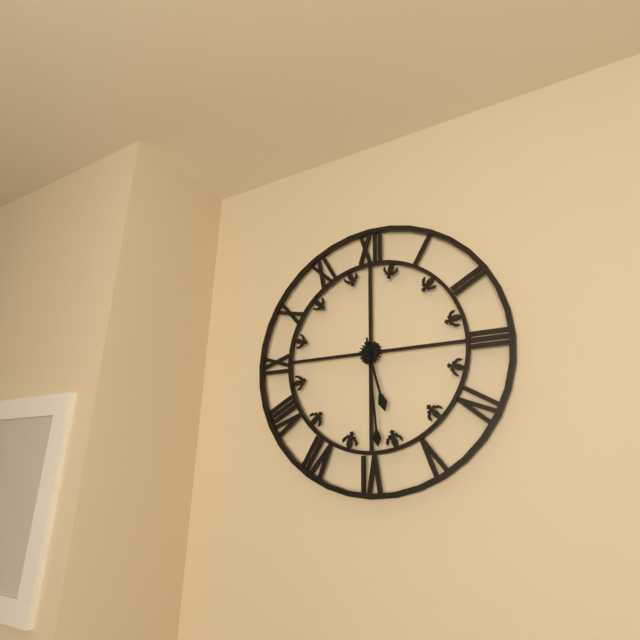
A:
h=5 m=29
